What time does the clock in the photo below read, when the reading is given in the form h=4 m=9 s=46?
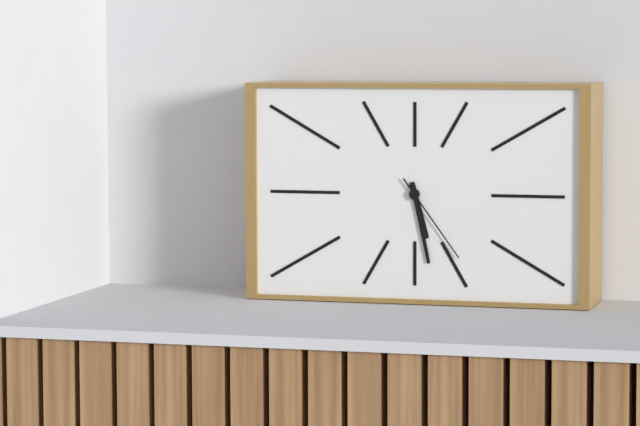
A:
h=5 m=28 s=24
